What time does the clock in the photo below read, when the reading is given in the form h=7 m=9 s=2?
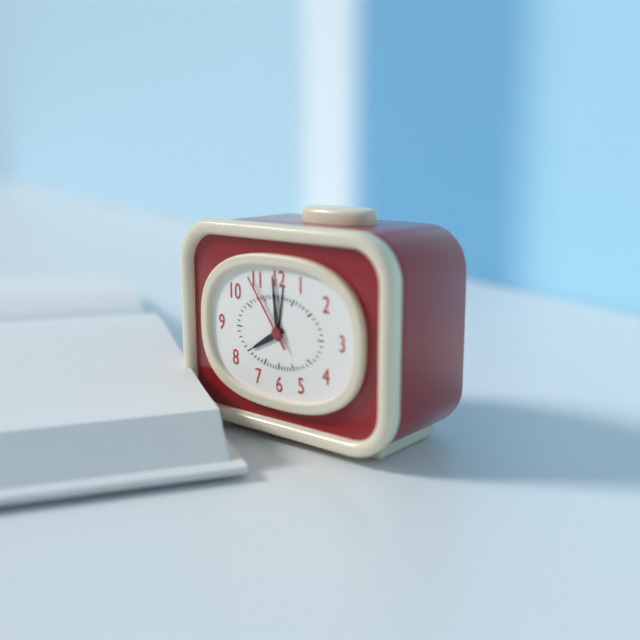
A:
h=7 m=59 s=54
